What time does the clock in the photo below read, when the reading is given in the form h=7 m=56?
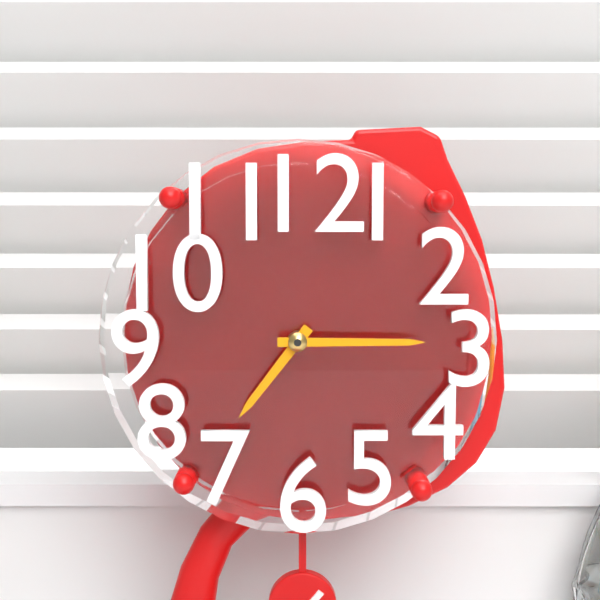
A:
h=7 m=15
